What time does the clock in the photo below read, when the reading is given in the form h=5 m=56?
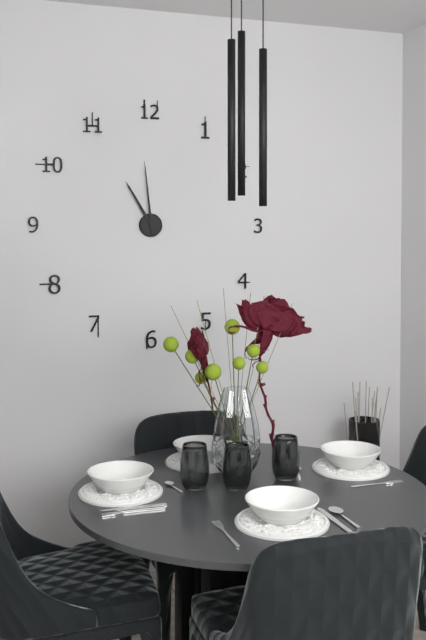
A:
h=10 m=59
